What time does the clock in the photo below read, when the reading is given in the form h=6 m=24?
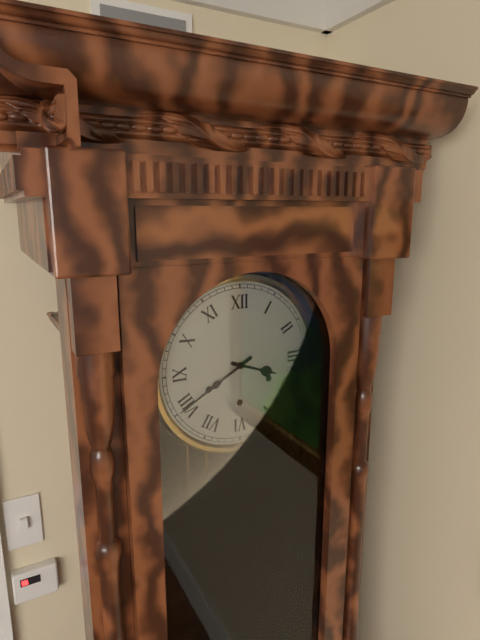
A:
h=3 m=40
